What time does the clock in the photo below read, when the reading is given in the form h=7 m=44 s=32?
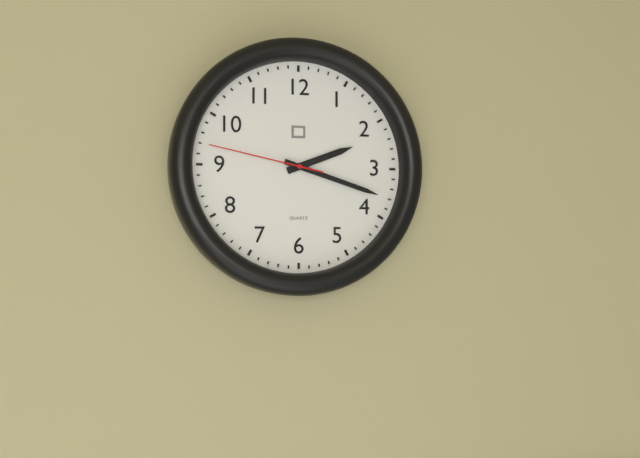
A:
h=2 m=18 s=47
